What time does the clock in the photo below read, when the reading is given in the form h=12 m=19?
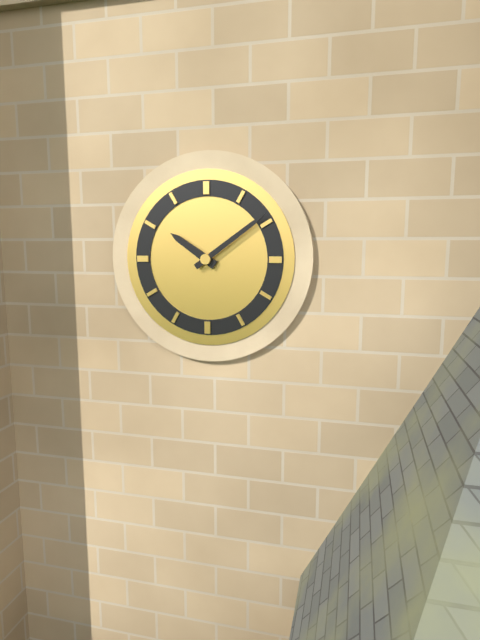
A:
h=10 m=9
